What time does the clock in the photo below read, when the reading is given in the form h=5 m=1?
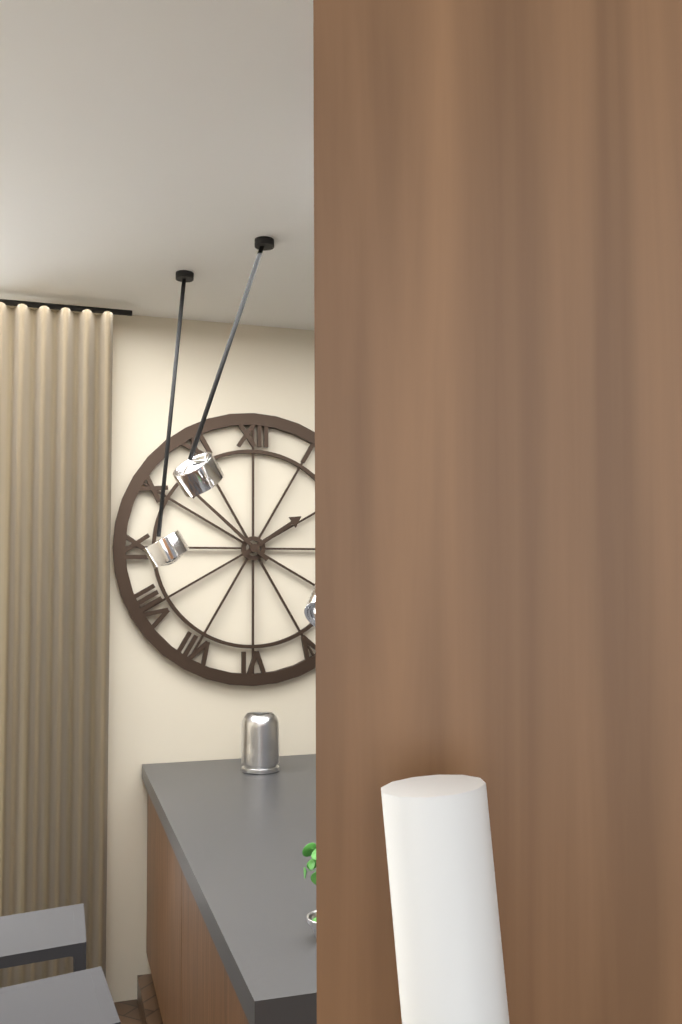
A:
h=1 m=52
